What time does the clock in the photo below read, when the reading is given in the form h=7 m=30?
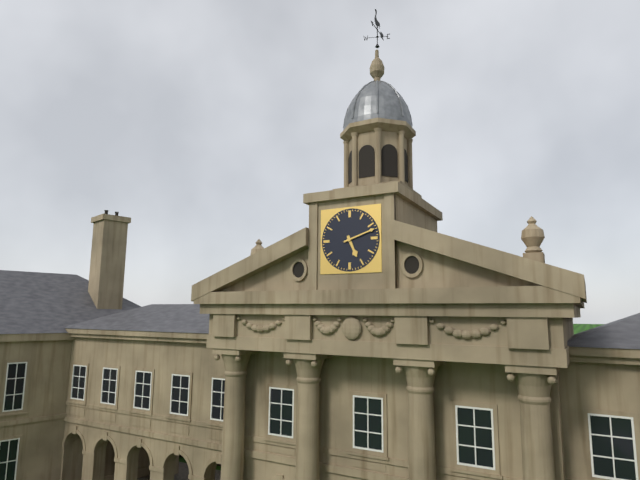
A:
h=5 m=12
